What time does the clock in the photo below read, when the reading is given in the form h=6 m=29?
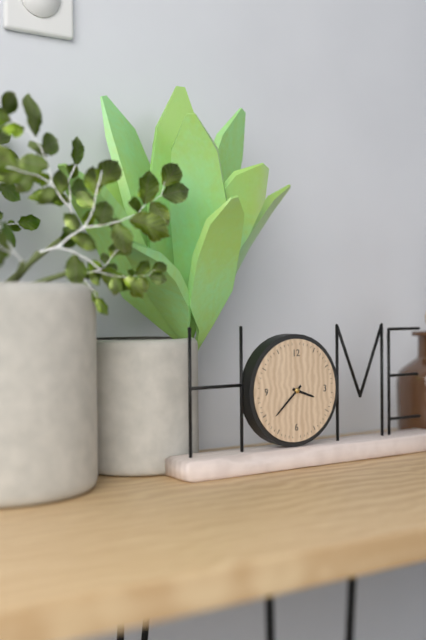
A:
h=3 m=38
